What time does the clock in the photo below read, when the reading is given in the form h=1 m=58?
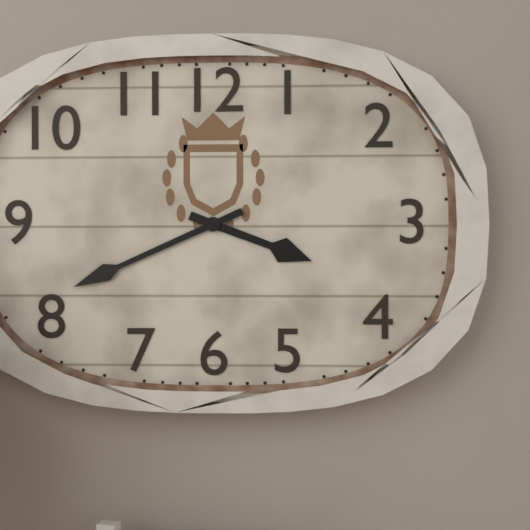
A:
h=3 m=41
